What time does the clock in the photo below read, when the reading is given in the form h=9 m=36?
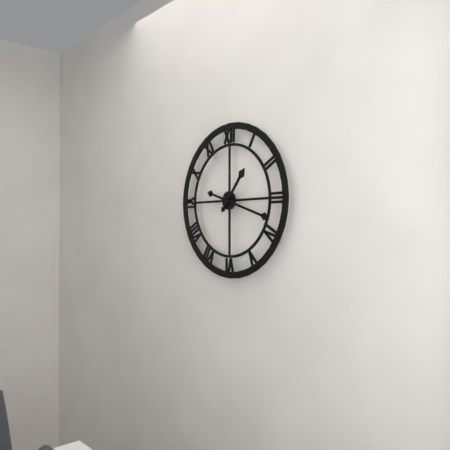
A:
h=1 m=18
